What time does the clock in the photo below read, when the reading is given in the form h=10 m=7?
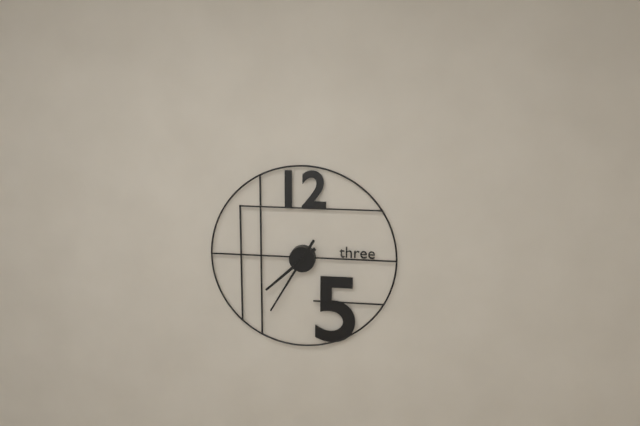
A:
h=7 m=35
